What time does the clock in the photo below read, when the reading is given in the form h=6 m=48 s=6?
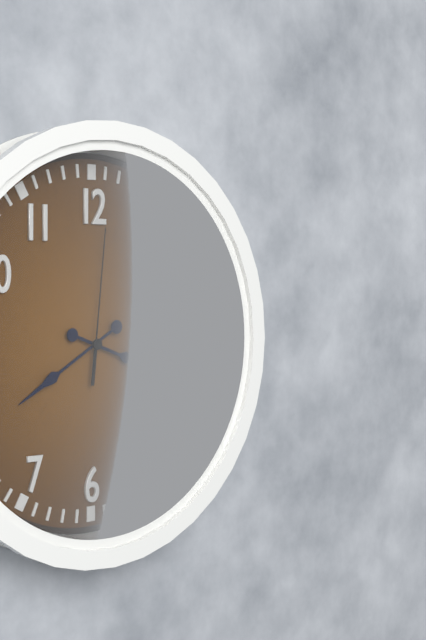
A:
h=3 m=40 s=1
